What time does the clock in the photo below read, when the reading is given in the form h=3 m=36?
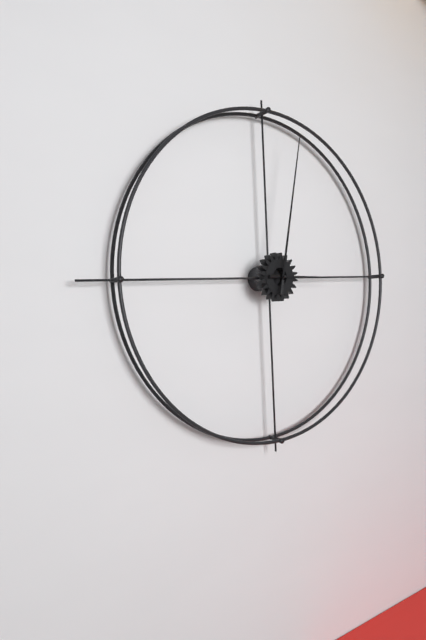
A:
h=3 m=2
